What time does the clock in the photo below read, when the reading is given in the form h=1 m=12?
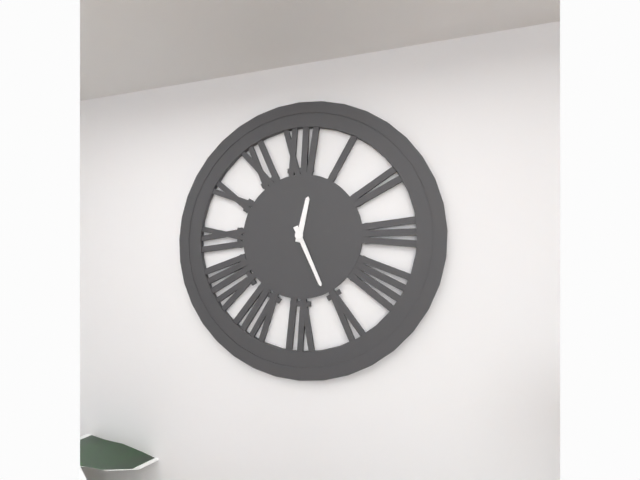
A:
h=12 m=26
